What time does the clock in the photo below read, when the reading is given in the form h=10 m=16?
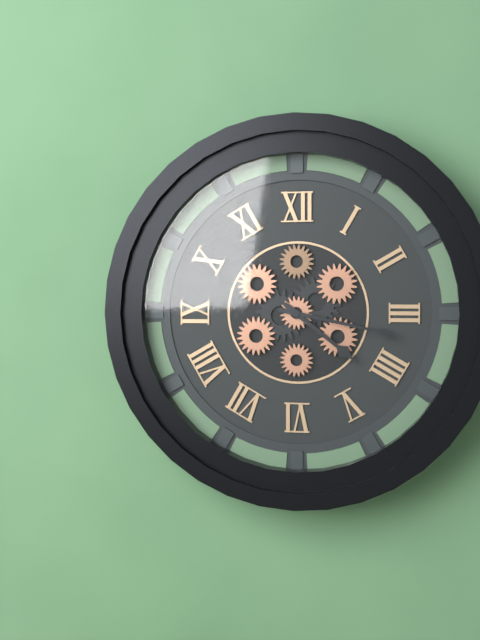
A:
h=4 m=17
